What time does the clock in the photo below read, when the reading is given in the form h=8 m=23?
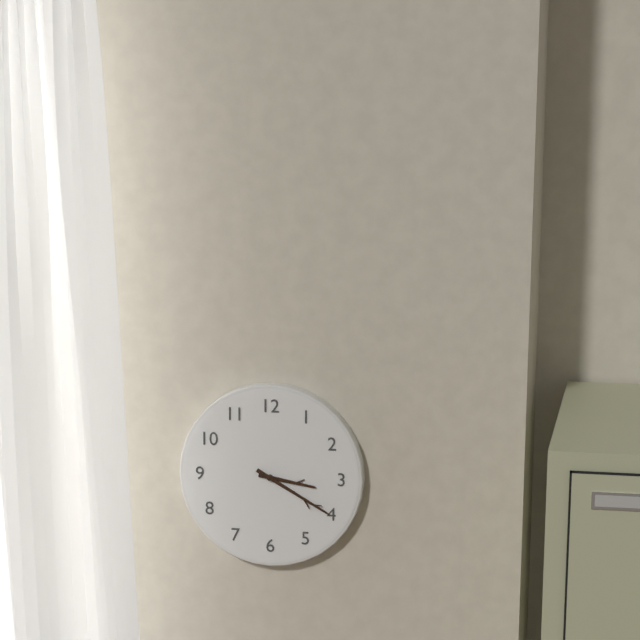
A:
h=3 m=20
